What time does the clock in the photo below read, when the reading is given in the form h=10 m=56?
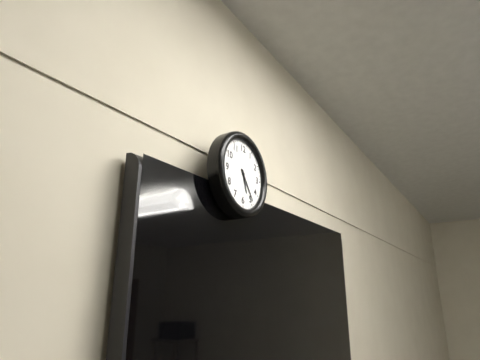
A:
h=5 m=24
